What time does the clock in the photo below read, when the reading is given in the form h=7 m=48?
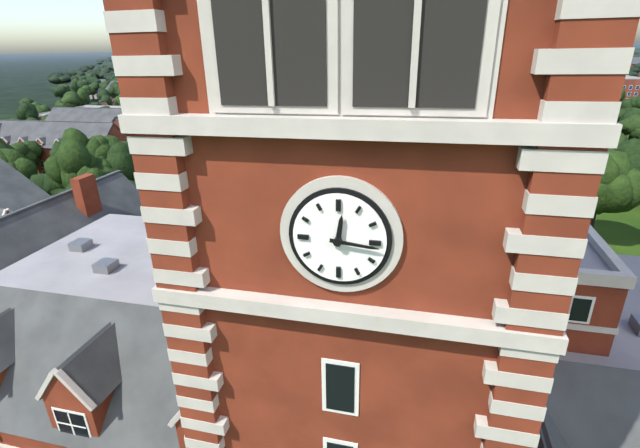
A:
h=12 m=16
